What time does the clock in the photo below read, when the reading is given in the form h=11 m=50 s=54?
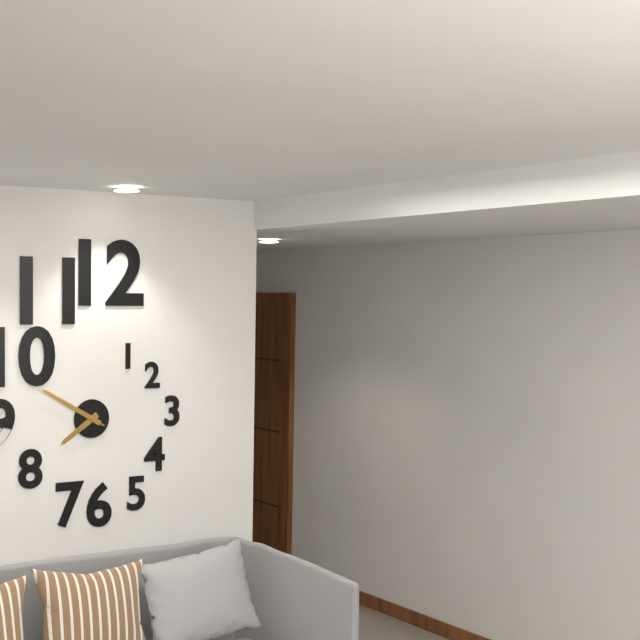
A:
h=7 m=50 s=50
